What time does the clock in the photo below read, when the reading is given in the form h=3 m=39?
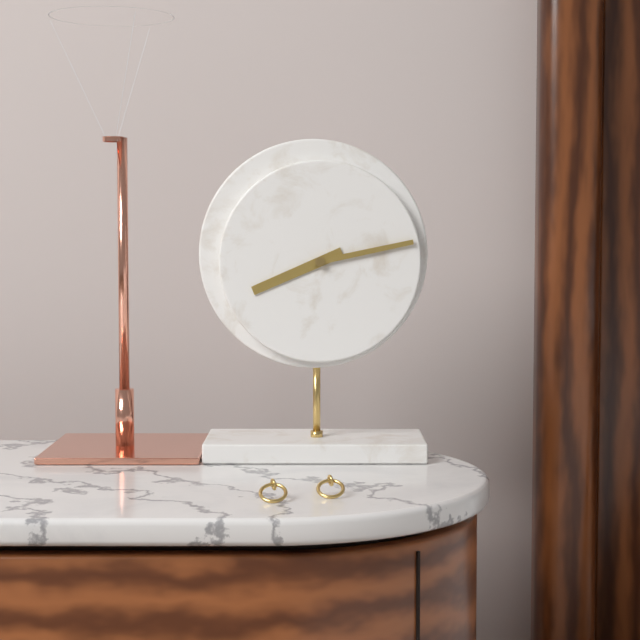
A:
h=8 m=13
